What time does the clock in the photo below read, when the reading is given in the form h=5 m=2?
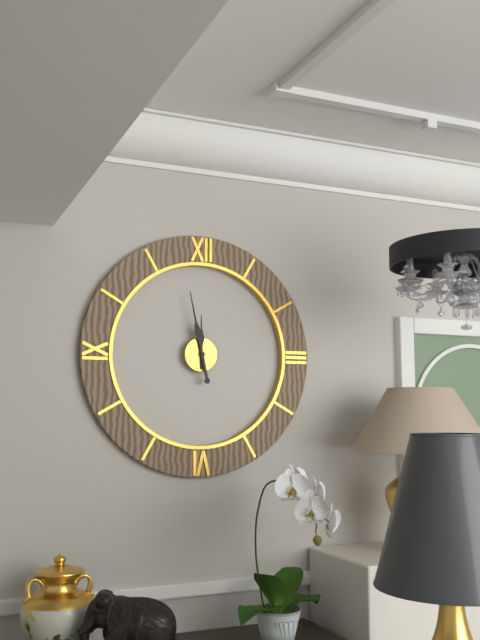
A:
h=11 m=58
